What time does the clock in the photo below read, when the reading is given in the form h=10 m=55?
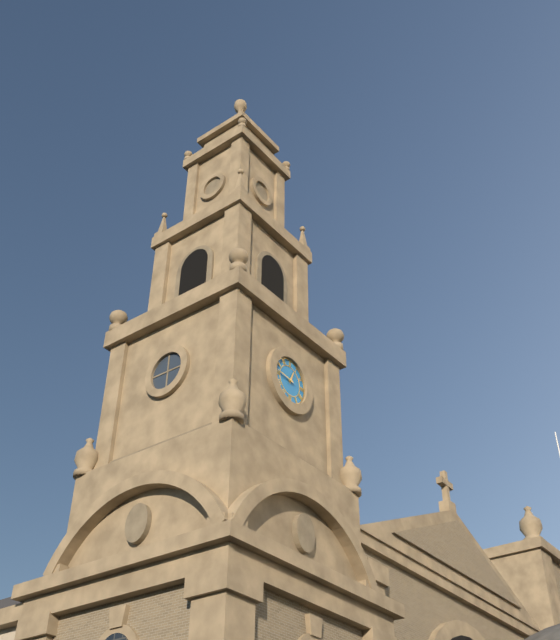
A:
h=12 m=46
